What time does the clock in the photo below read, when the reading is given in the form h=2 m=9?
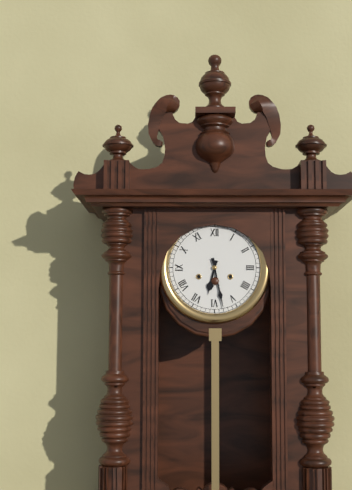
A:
h=6 m=28
